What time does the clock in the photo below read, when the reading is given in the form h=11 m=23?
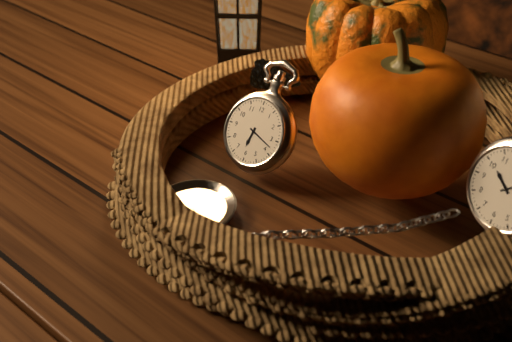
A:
h=6 m=18
